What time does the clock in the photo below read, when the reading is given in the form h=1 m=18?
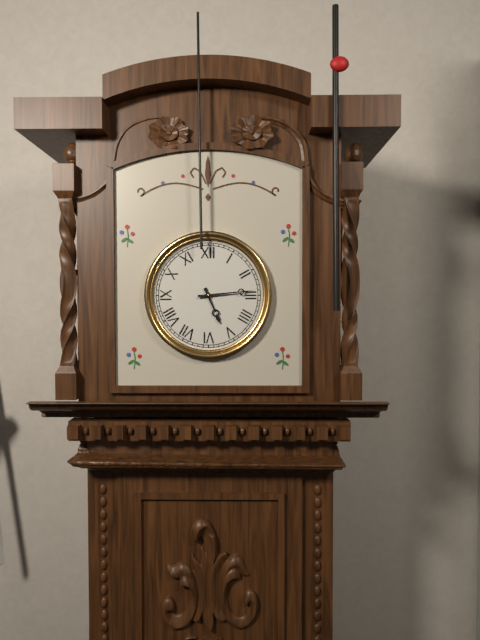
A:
h=5 m=14
